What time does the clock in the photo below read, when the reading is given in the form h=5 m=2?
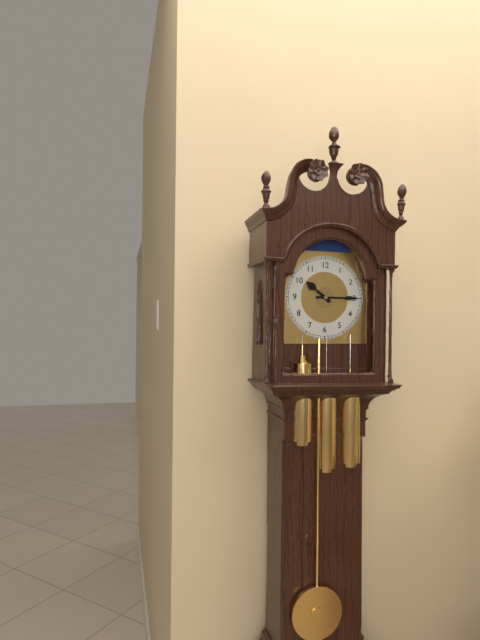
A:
h=10 m=15
